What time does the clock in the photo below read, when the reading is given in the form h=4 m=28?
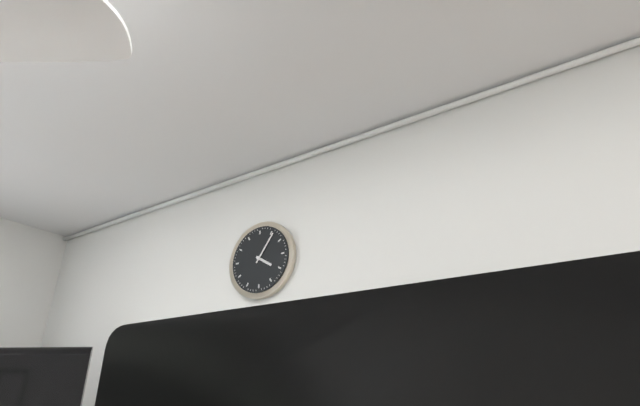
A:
h=4 m=6
